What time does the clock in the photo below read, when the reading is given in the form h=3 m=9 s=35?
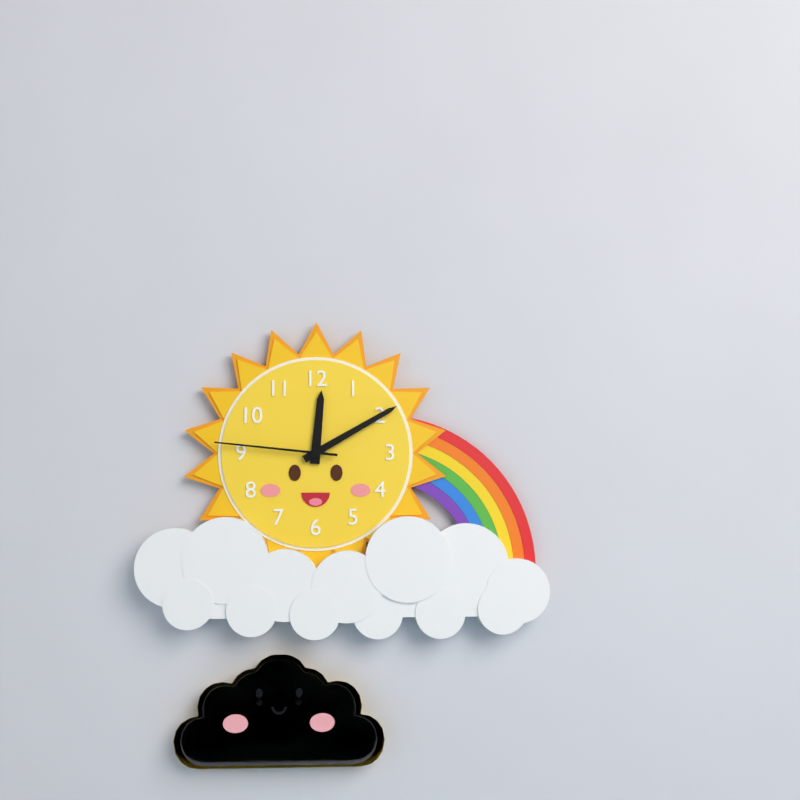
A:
h=12 m=10 s=46
